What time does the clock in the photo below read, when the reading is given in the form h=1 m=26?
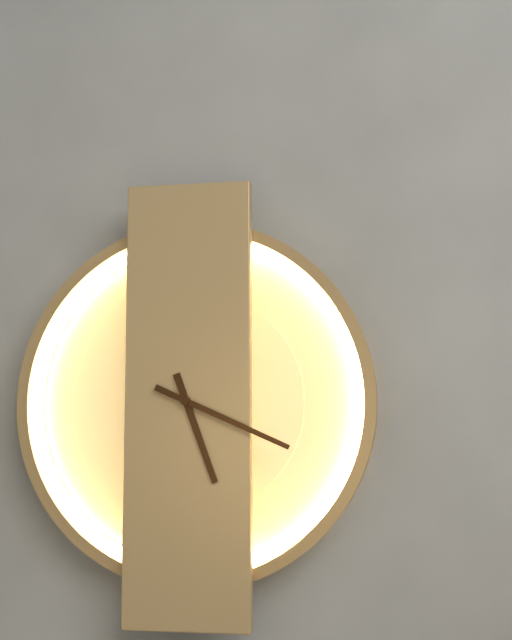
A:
h=5 m=19
